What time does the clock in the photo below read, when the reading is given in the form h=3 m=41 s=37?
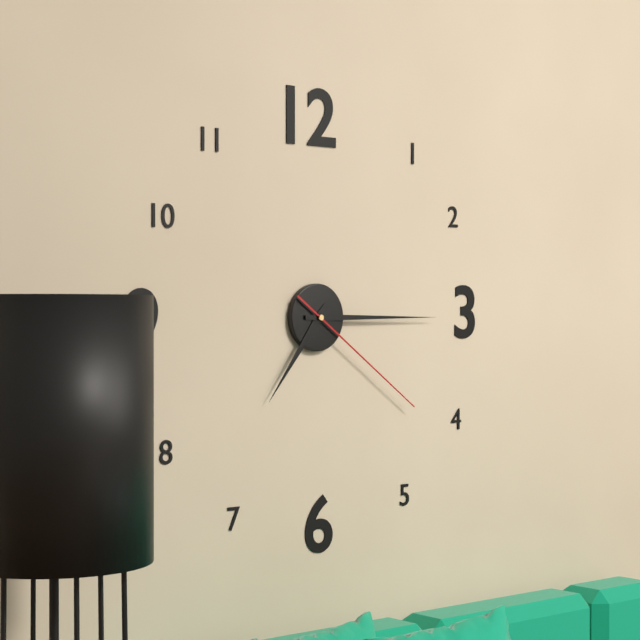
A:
h=7 m=15 s=21
